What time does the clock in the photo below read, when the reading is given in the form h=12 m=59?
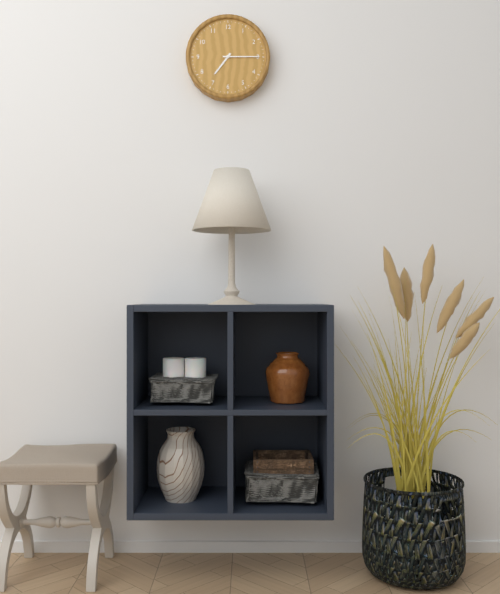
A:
h=7 m=15
